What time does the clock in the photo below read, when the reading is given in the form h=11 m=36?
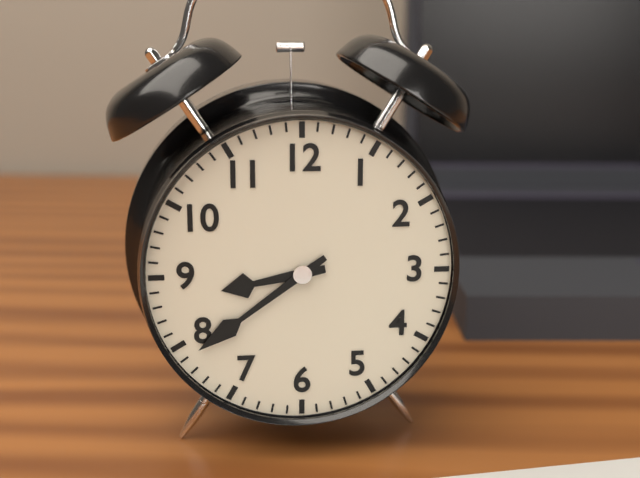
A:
h=8 m=39
